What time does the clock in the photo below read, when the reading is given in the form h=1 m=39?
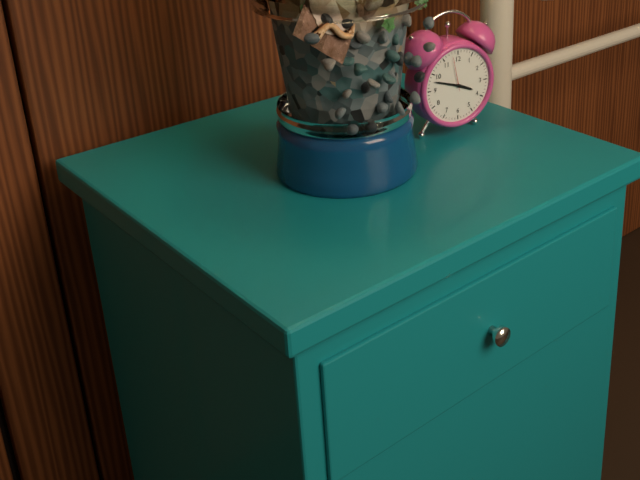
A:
h=3 m=48
